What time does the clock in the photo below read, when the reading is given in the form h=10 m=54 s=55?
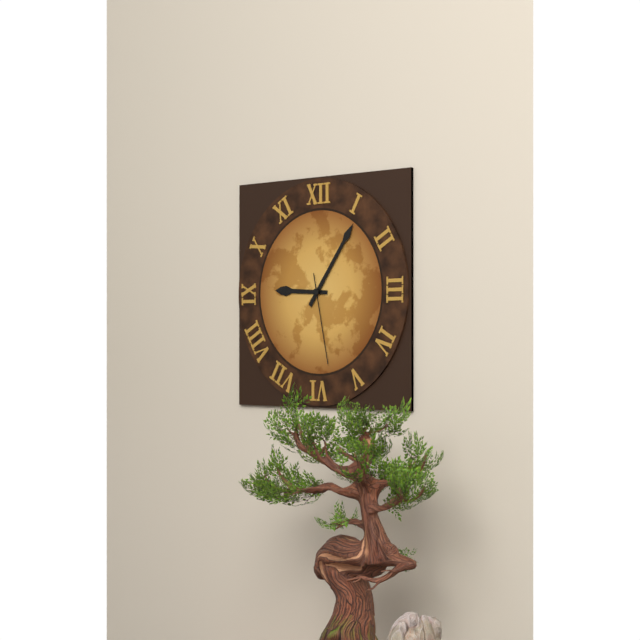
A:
h=9 m=6 s=28
